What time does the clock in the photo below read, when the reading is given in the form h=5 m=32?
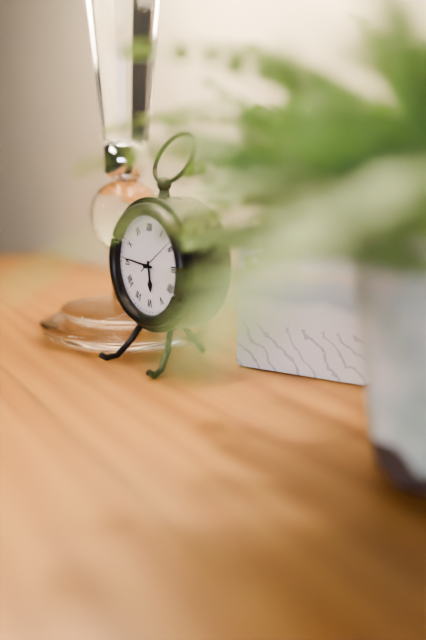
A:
h=5 m=46
